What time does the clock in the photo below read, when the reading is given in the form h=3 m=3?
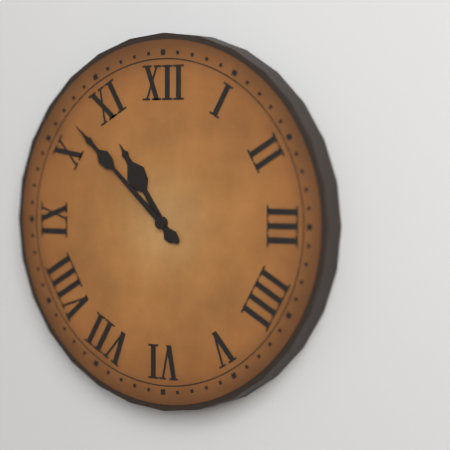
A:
h=10 m=52
